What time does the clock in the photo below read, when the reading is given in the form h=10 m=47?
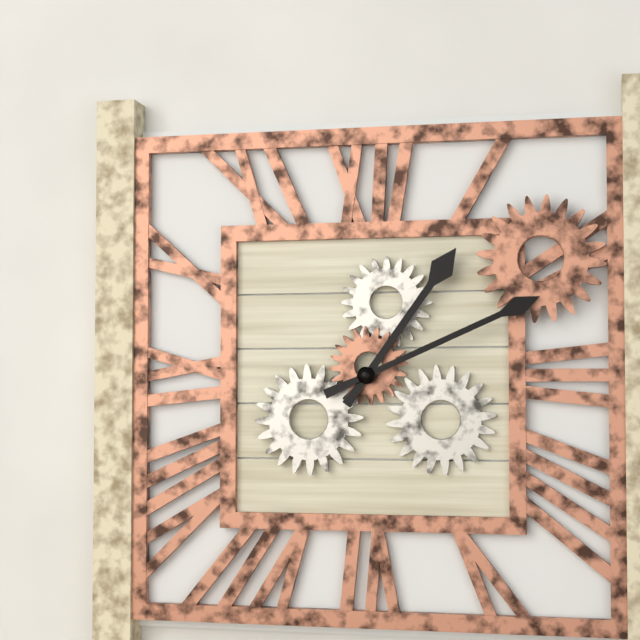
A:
h=1 m=11
